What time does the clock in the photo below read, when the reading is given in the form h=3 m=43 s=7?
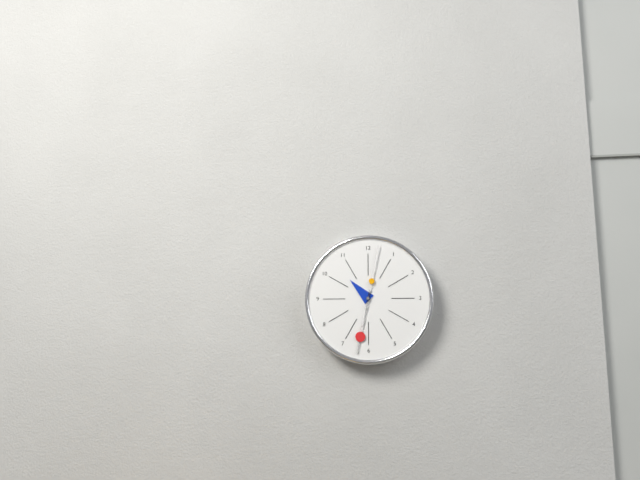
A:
h=10 m=32 s=2
